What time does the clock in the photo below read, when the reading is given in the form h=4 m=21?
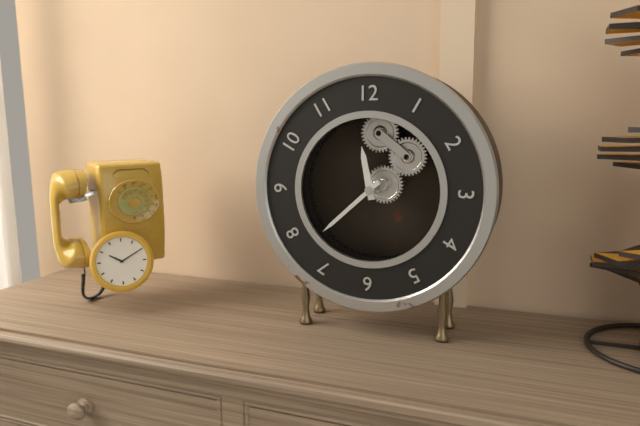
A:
h=11 m=38
